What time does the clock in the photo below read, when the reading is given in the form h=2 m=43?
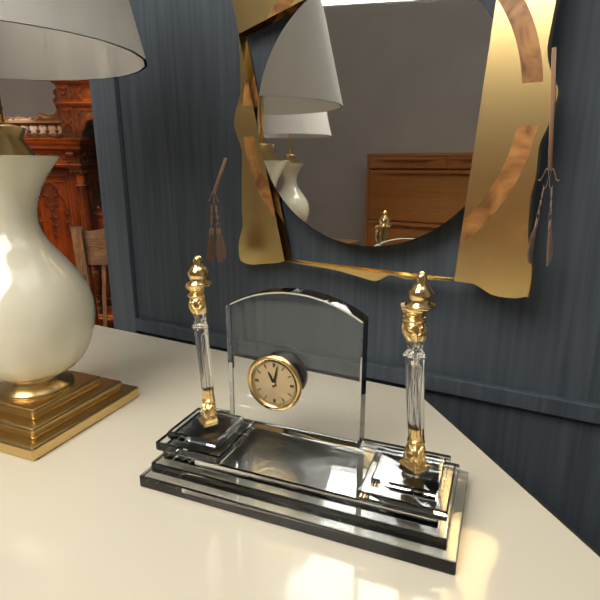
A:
h=11 m=2
